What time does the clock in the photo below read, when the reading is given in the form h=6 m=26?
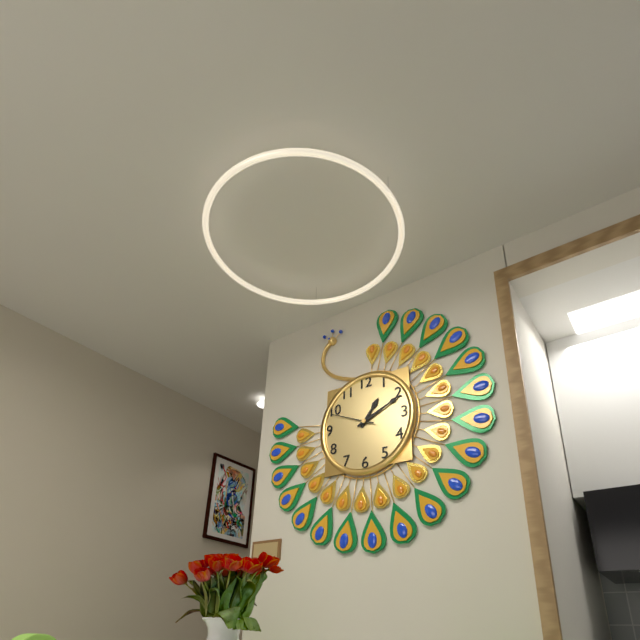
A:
h=1 m=11
